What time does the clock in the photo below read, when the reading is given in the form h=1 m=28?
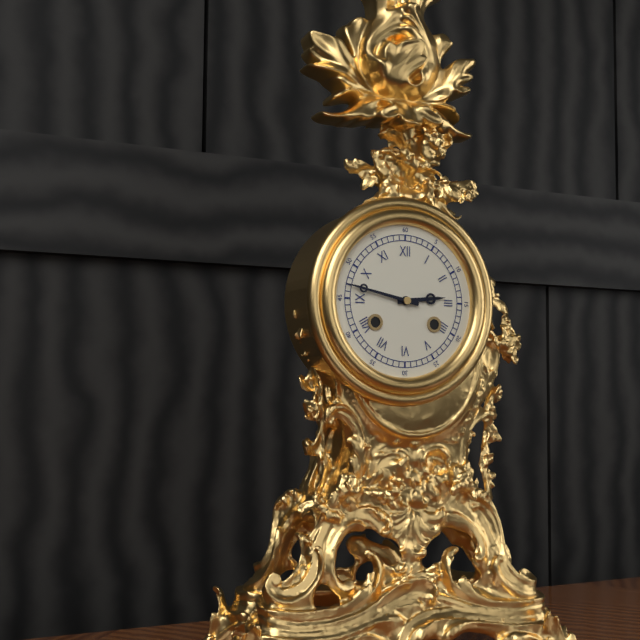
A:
h=2 m=47
